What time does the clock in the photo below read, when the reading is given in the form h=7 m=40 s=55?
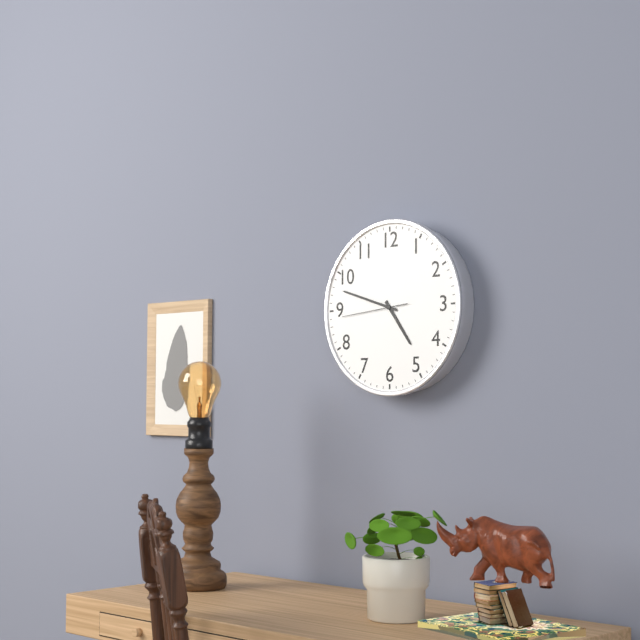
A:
h=4 m=48 s=44
